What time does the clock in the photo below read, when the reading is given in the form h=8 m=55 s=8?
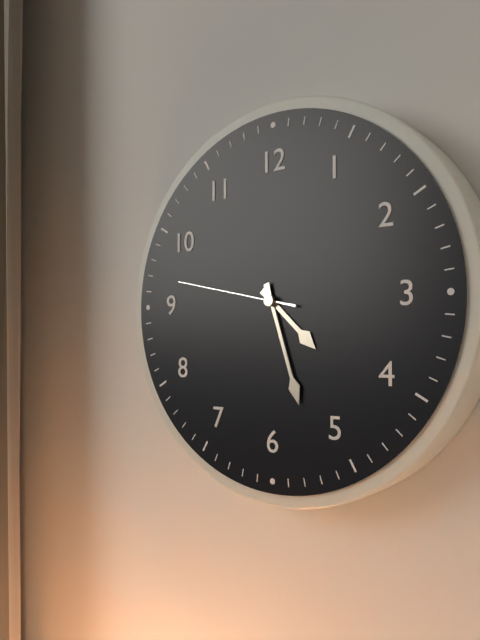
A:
h=4 m=27 s=47
